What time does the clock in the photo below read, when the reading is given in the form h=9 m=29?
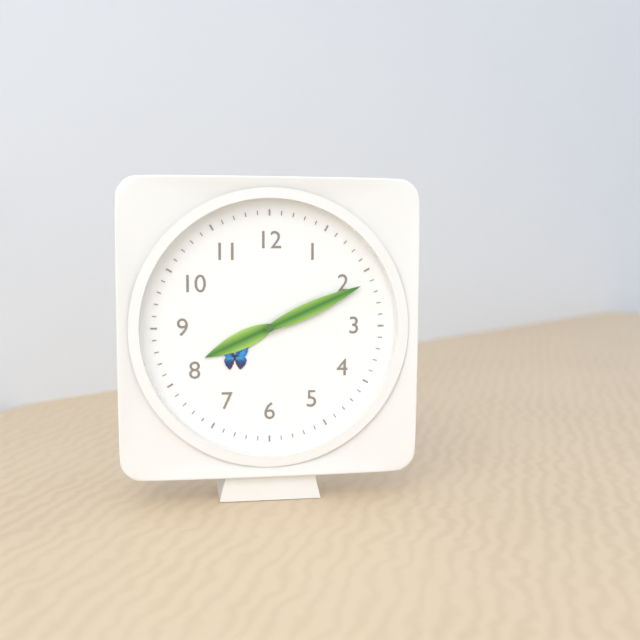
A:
h=8 m=11
